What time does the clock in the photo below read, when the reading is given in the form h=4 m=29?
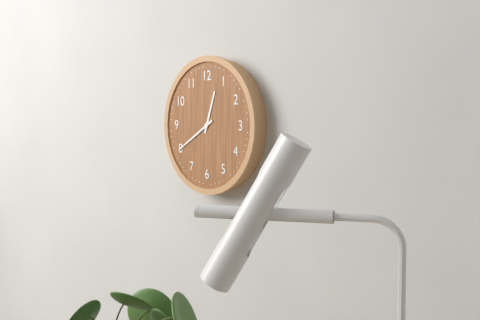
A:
h=12 m=40
